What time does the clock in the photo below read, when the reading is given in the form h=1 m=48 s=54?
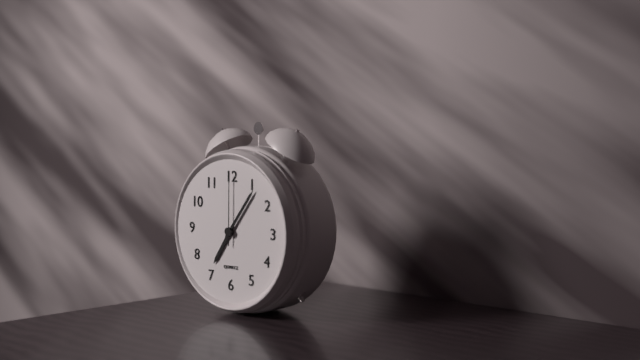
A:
h=7 m=6 s=0
